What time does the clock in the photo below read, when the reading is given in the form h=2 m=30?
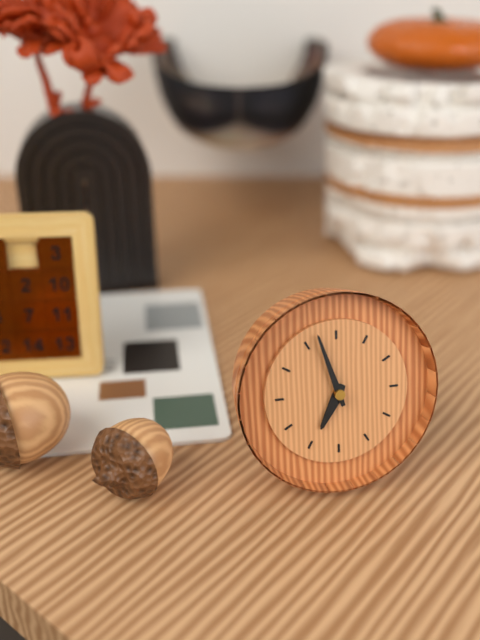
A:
h=6 m=57
